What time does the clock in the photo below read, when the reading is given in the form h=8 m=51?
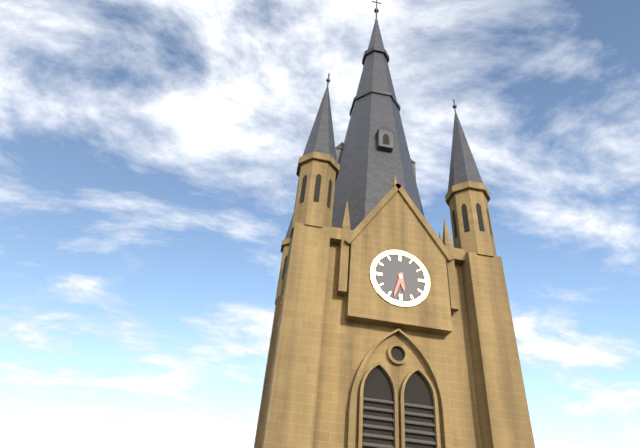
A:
h=5 m=33
